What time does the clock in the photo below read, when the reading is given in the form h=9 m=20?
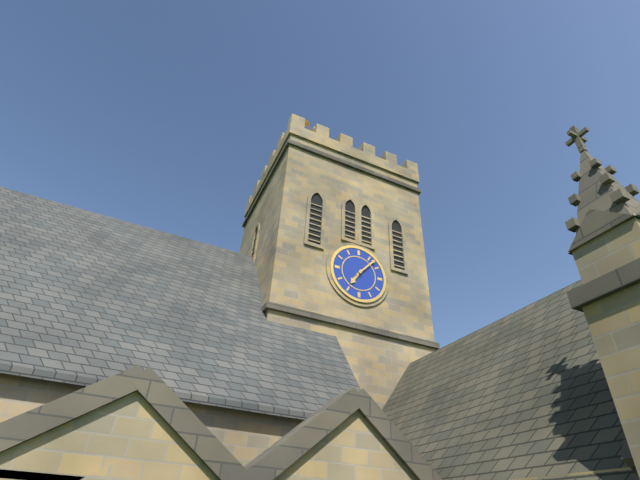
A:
h=7 m=7
